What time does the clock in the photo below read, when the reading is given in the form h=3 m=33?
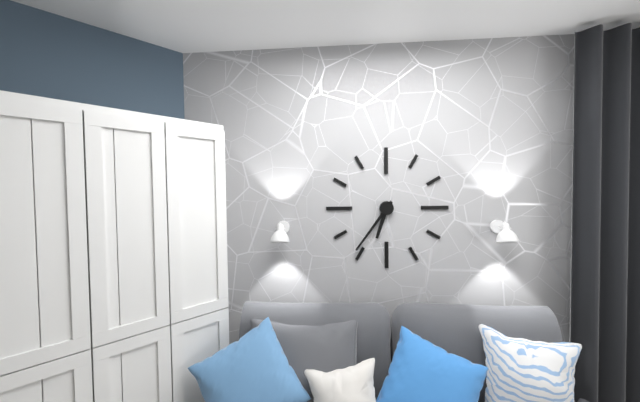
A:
h=6 m=36
